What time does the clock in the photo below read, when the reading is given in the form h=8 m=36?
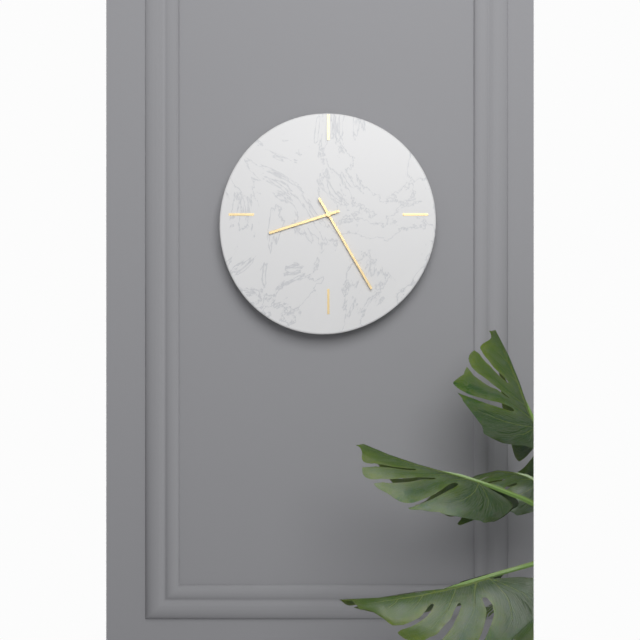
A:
h=8 m=25
